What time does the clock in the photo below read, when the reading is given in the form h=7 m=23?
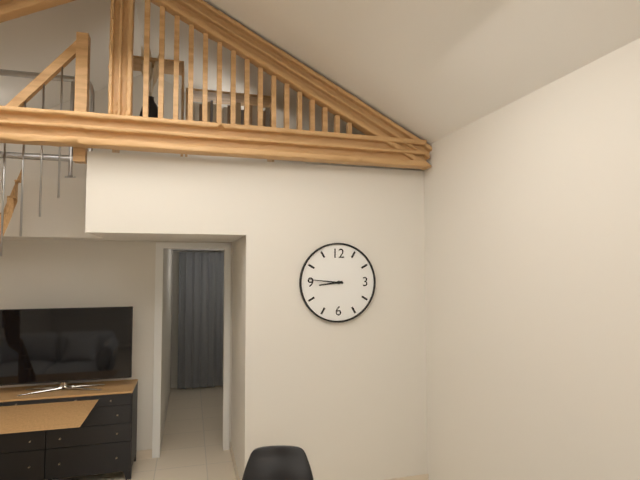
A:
h=8 m=46
